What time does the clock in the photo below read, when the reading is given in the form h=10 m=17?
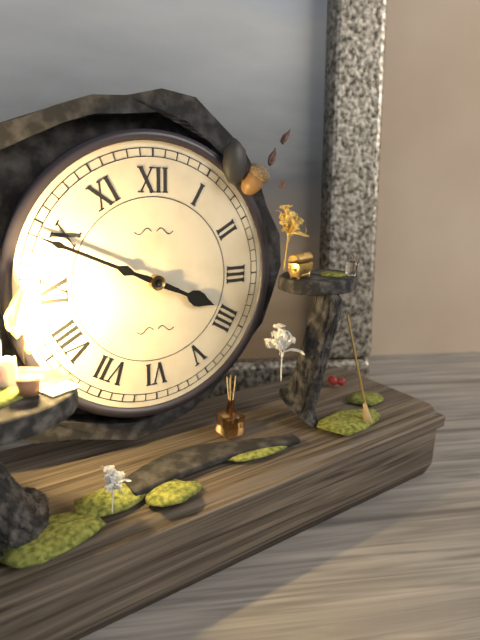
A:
h=3 m=49
